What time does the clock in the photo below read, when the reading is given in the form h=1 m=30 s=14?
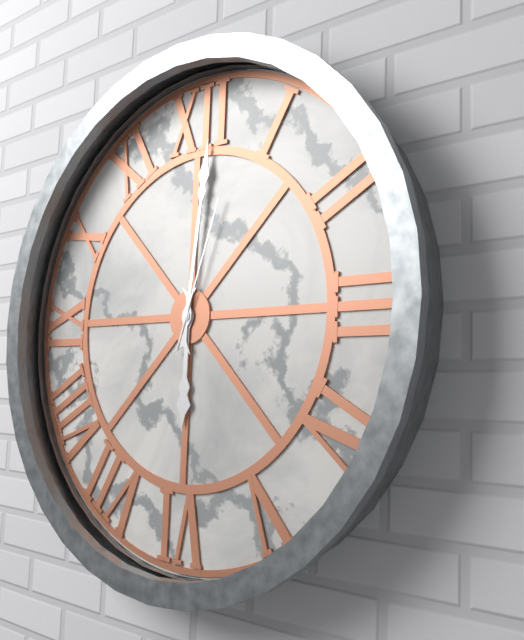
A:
h=6 m=1 s=3
